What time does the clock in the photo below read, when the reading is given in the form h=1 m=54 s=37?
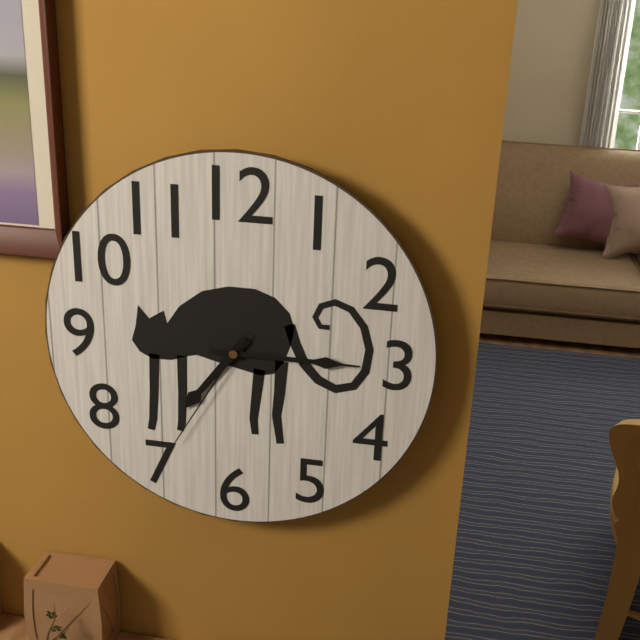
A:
h=7 m=15 s=35
